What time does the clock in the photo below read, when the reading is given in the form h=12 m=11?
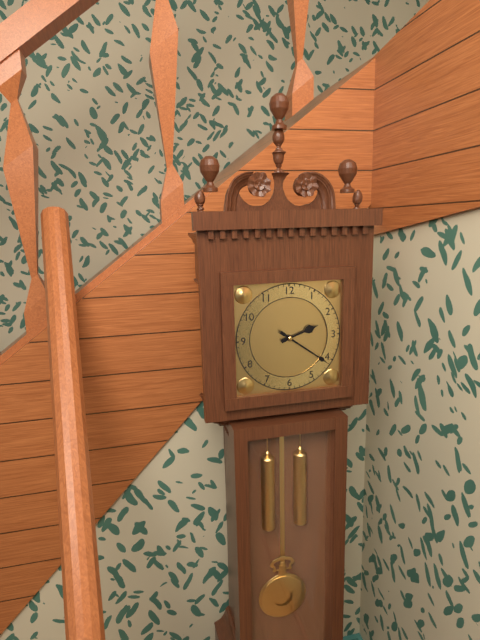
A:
h=2 m=21
